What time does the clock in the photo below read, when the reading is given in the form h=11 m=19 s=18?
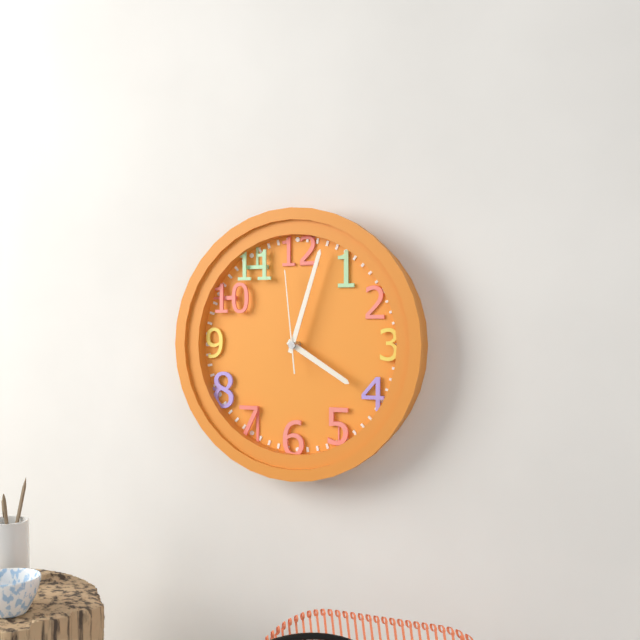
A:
h=4 m=3 s=59
